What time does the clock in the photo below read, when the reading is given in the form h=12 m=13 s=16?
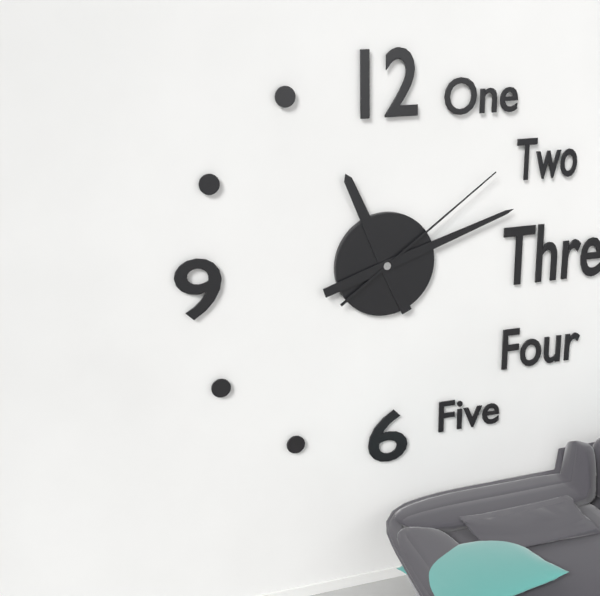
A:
h=11 m=12 s=9
